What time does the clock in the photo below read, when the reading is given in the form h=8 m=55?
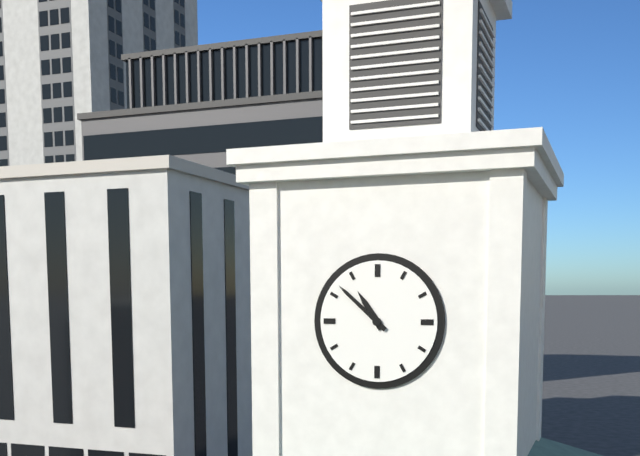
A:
h=10 m=52
